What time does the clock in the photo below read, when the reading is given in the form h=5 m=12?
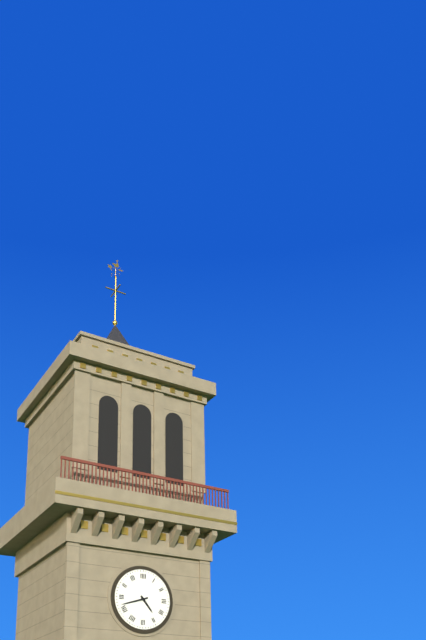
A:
h=4 m=42
